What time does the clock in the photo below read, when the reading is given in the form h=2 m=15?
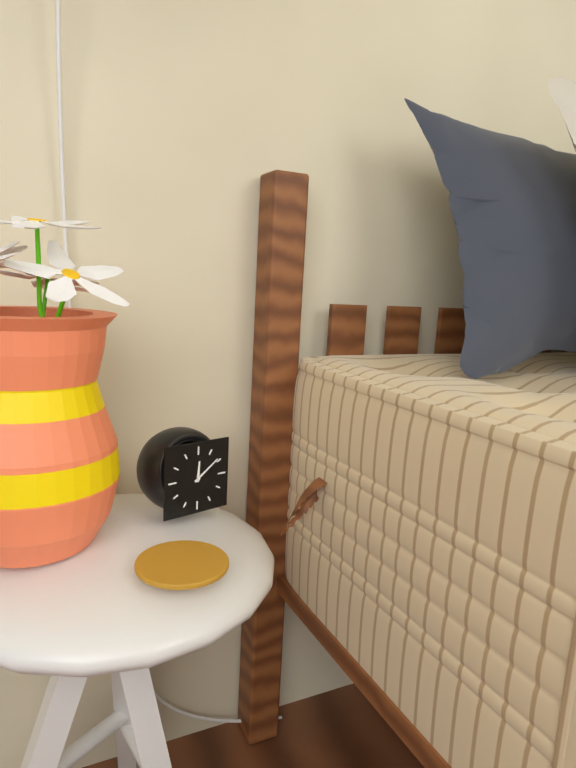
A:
h=12 m=9
